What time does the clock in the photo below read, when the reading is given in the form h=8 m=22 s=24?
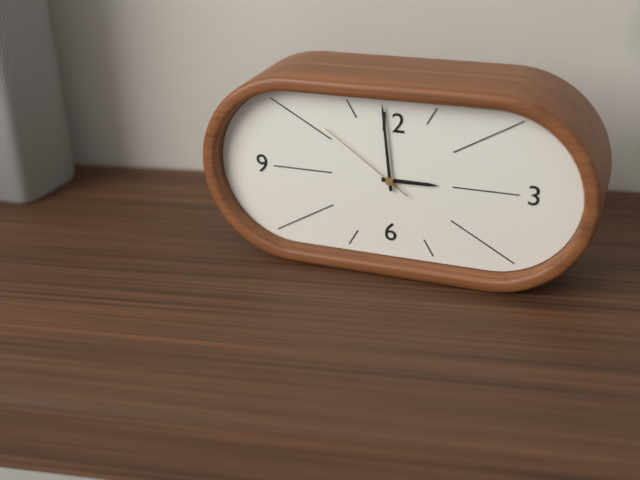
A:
h=2 m=59 s=51
